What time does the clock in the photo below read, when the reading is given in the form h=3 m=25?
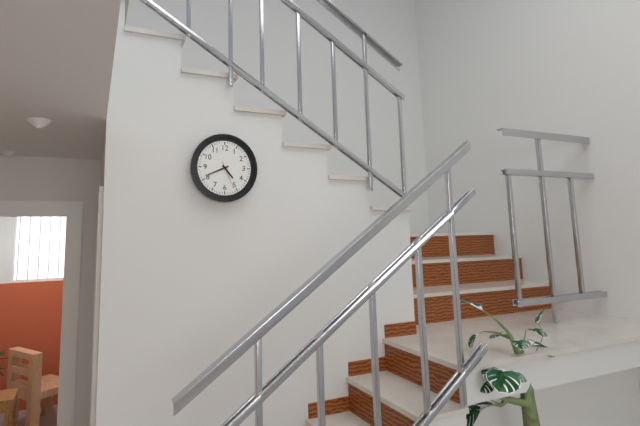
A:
h=4 m=41
